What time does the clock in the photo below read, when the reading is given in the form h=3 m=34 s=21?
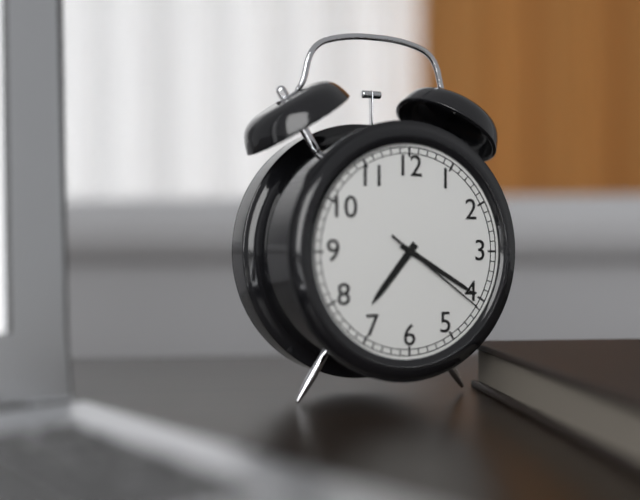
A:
h=7 m=20 s=21
